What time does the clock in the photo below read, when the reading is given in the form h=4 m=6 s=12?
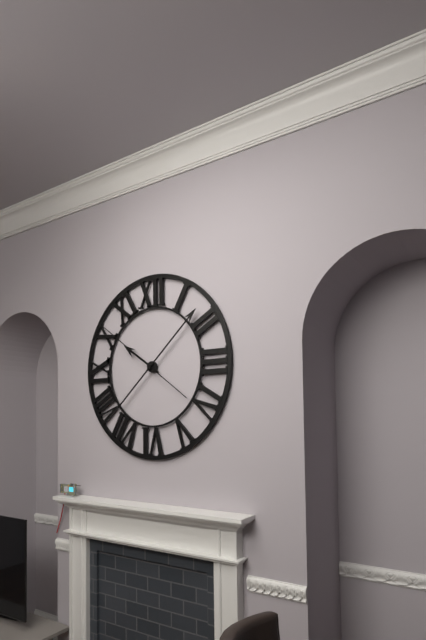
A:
h=10 m=8 s=51
